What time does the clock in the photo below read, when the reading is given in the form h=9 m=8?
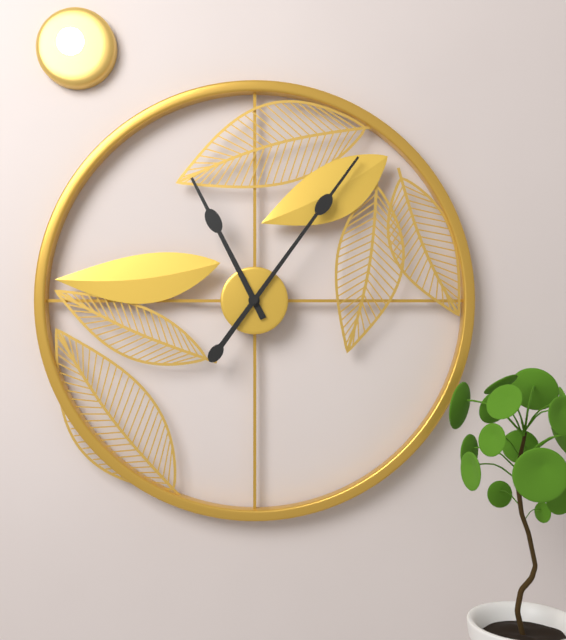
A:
h=11 m=6
